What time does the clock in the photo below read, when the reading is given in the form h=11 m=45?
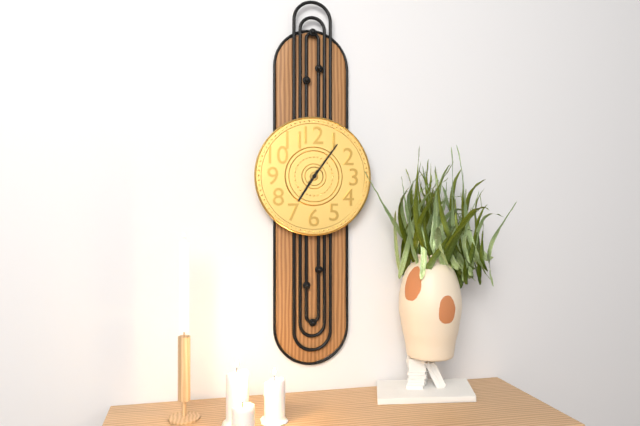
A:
h=7 m=6
